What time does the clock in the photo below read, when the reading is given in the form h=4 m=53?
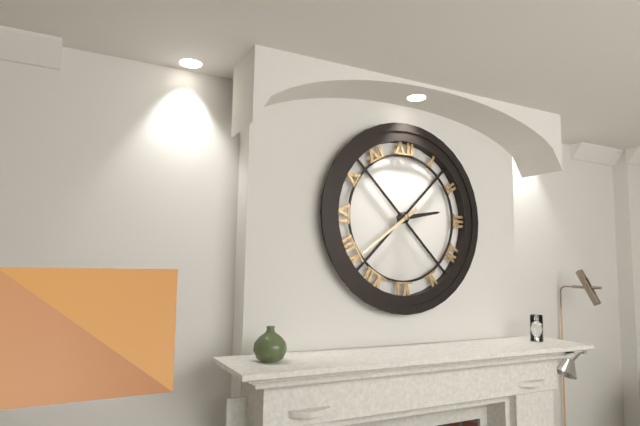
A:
h=2 m=39
